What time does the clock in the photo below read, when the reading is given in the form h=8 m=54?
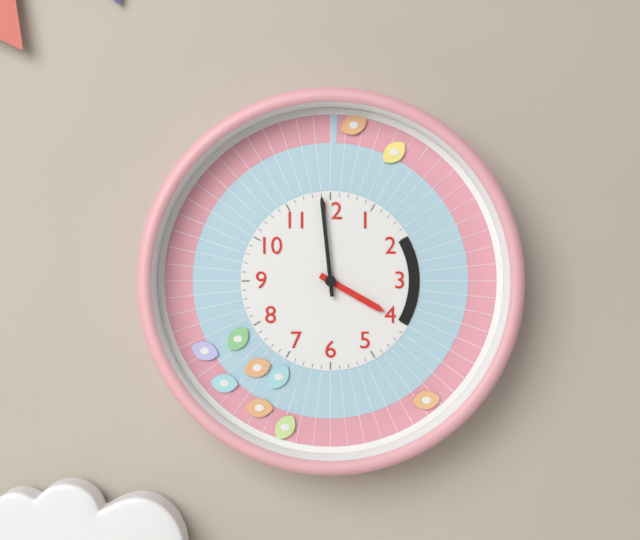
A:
h=3 m=59
